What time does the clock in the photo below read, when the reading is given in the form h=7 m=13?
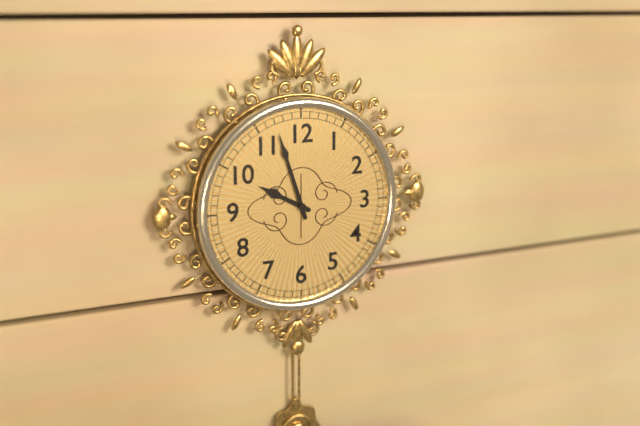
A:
h=9 m=57
